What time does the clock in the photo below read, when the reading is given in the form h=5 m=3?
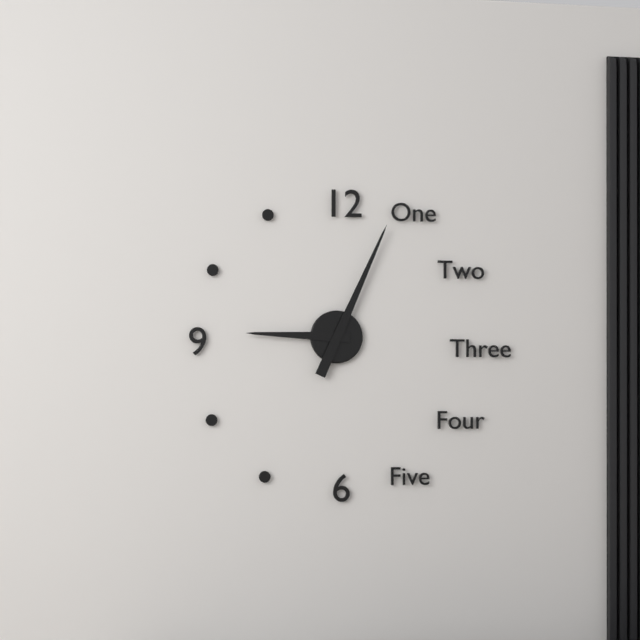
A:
h=9 m=4
